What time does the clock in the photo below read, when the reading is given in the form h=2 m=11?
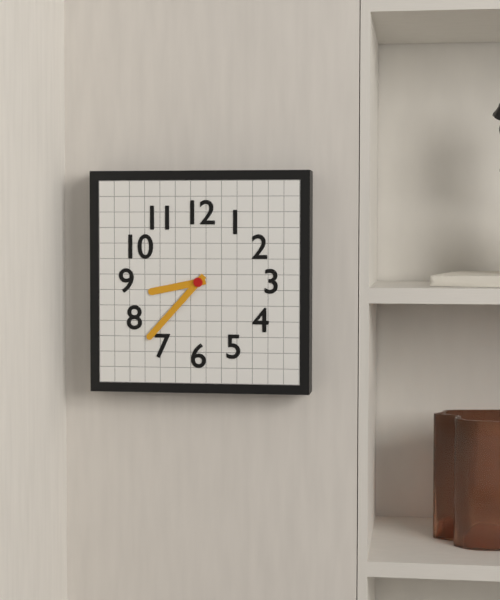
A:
h=8 m=37
